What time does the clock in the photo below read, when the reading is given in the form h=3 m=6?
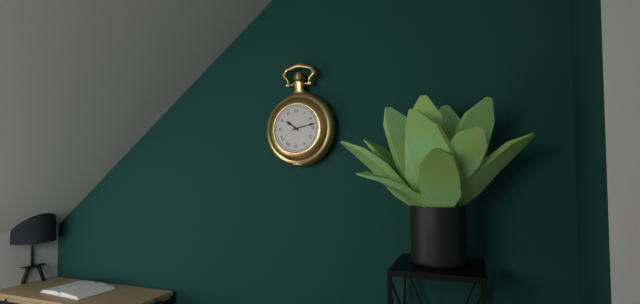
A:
h=10 m=13
